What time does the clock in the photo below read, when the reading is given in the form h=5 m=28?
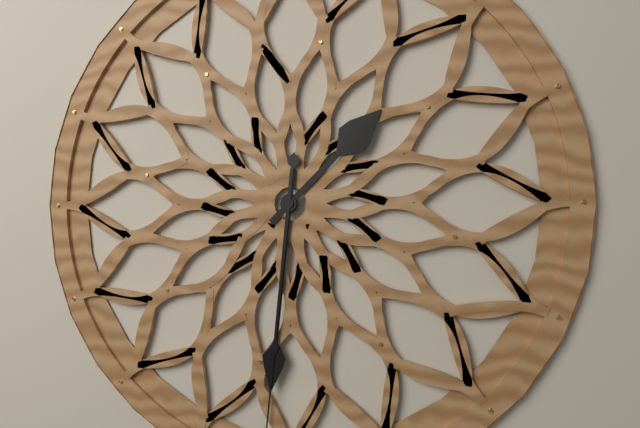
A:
h=1 m=31
